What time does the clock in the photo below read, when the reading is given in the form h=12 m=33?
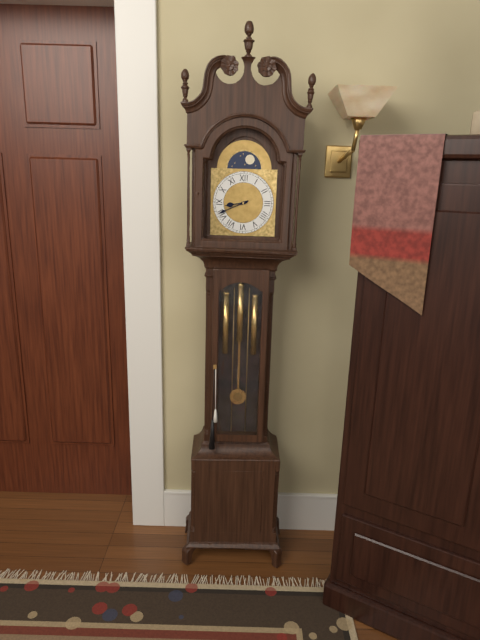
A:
h=8 m=41
